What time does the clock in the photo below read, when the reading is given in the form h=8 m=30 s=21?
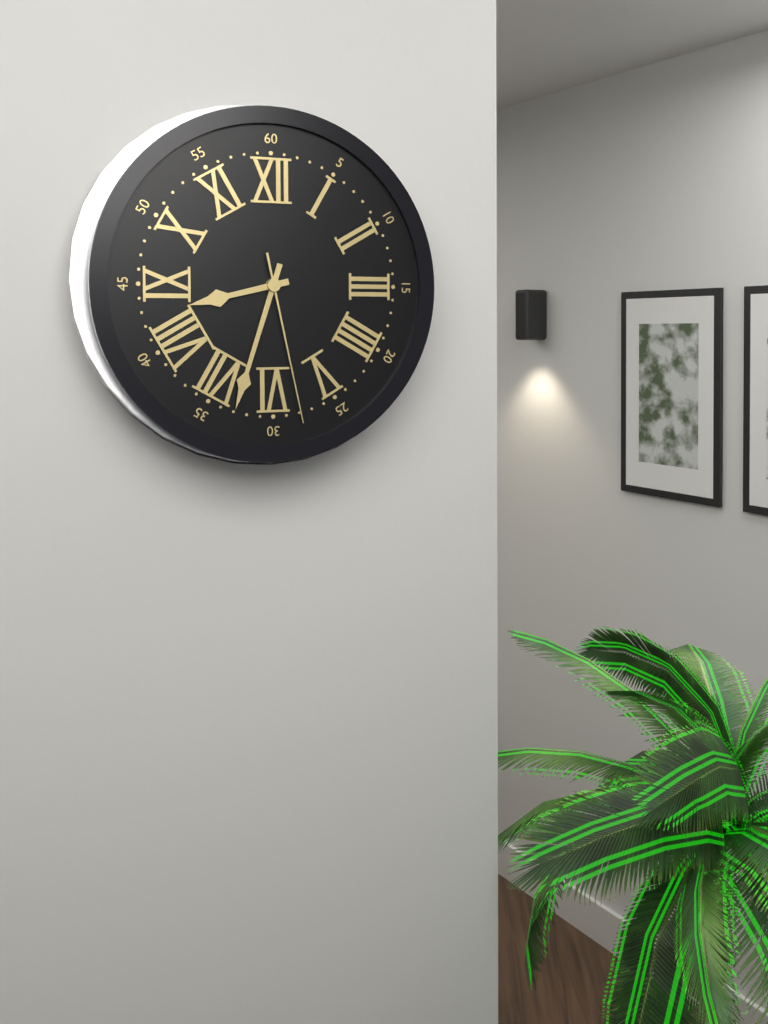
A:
h=8 m=33 s=28
